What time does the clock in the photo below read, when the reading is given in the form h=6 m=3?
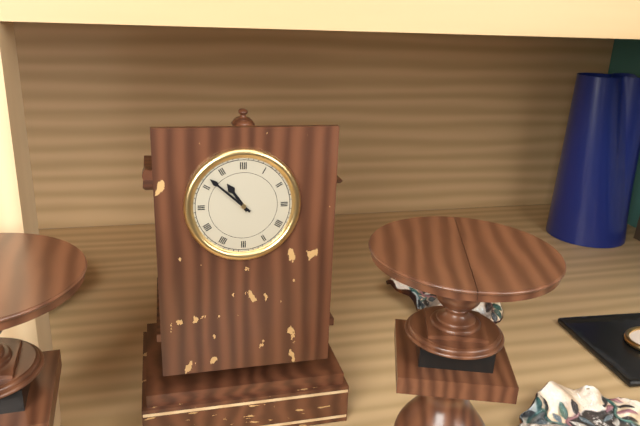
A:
h=10 m=52
